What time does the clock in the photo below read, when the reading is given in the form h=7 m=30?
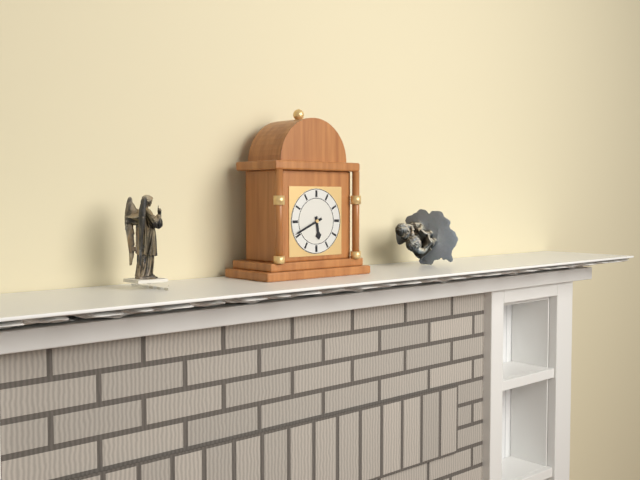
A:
h=5 m=41
